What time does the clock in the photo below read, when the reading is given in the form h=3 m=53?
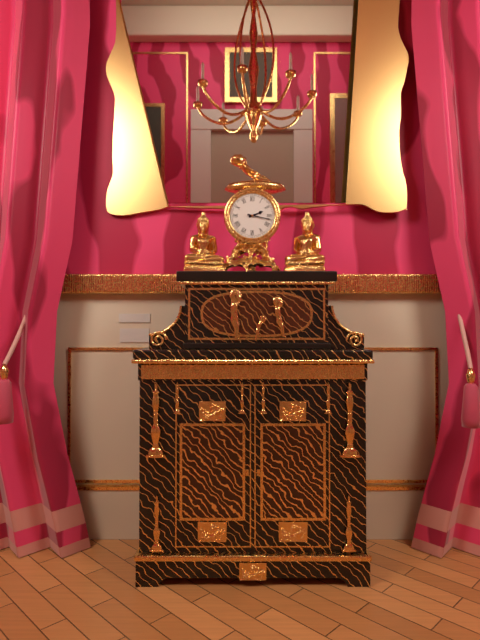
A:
h=2 m=17
